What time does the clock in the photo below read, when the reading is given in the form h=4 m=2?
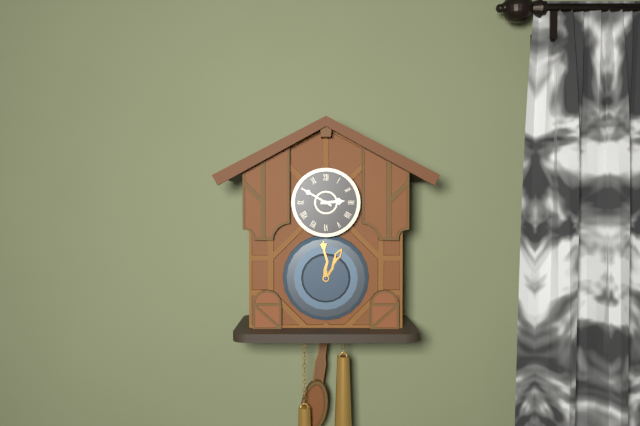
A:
h=2 m=50
